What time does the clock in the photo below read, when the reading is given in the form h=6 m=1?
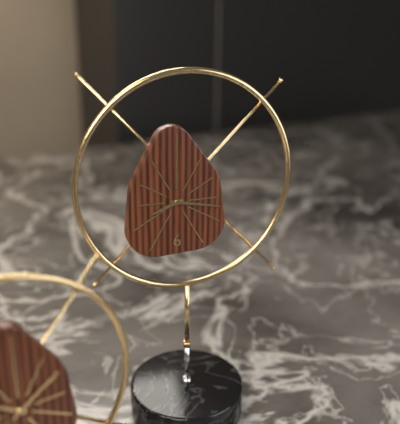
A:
h=8 m=17
